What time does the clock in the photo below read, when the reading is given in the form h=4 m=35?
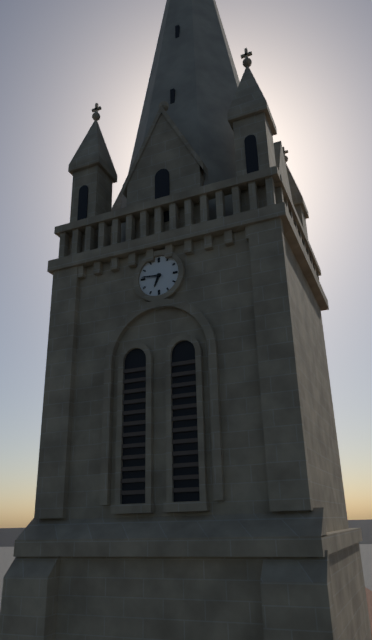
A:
h=6 m=46
